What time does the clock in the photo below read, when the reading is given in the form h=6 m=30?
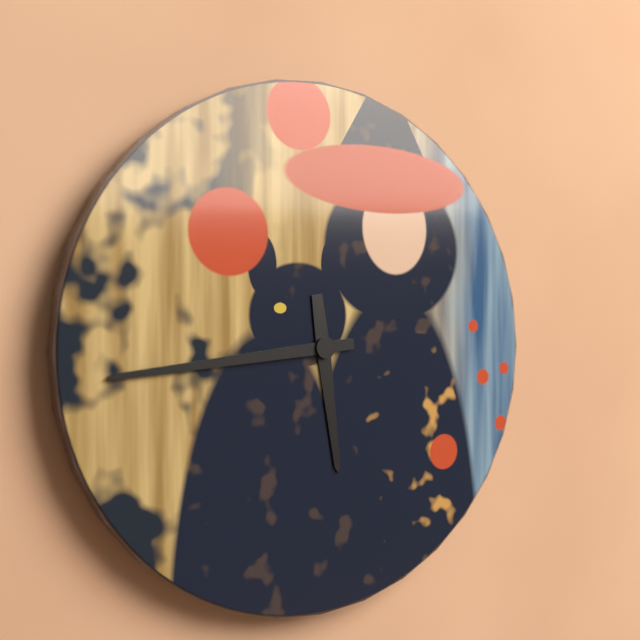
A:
h=5 m=44
